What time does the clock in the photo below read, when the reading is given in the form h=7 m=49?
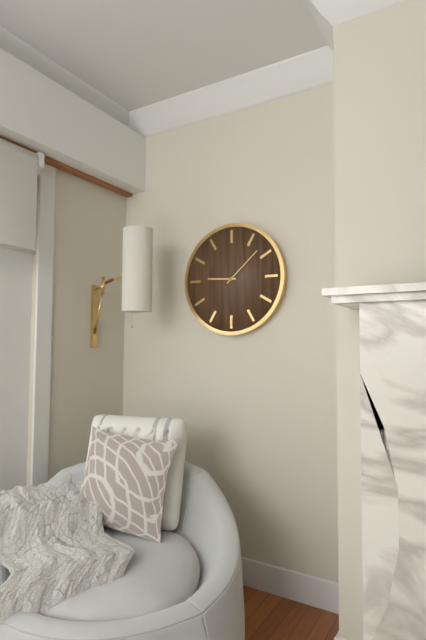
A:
h=9 m=8
